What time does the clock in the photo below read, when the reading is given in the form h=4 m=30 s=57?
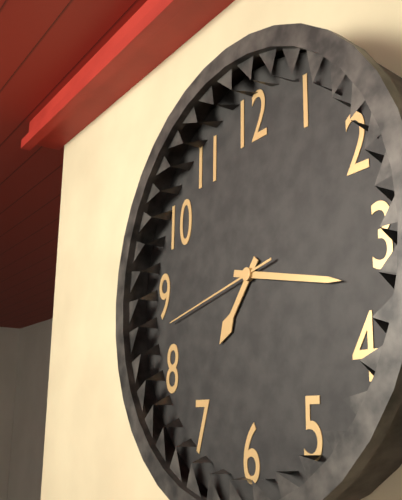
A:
h=7 m=17 s=43
